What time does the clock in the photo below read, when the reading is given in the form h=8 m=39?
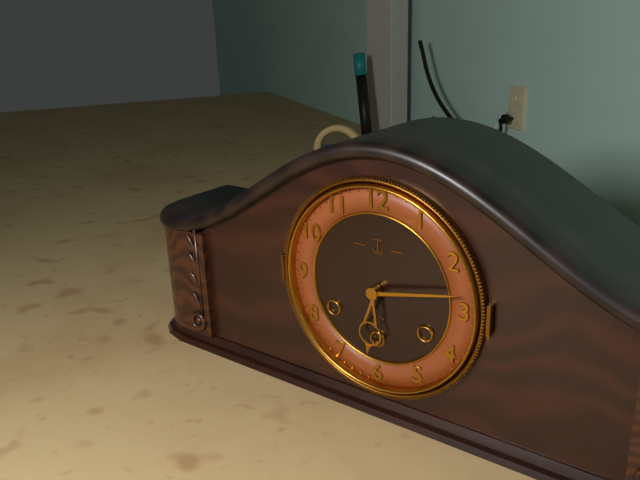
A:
h=6 m=13
